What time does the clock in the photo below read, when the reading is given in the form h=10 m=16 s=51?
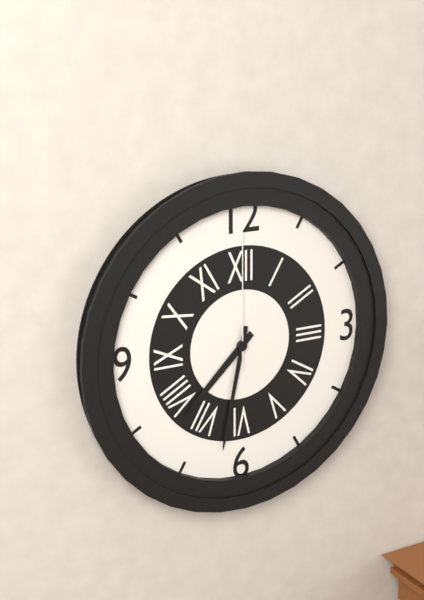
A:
h=7 m=32 s=0
